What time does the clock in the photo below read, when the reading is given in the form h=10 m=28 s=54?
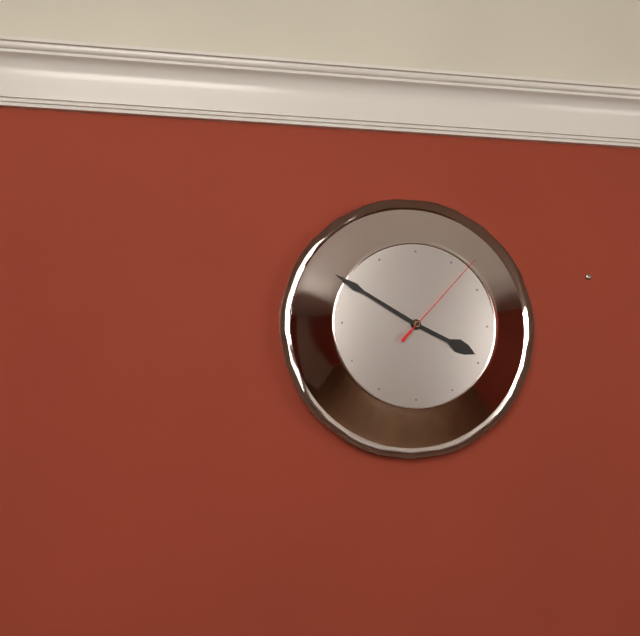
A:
h=3 m=50 s=7
